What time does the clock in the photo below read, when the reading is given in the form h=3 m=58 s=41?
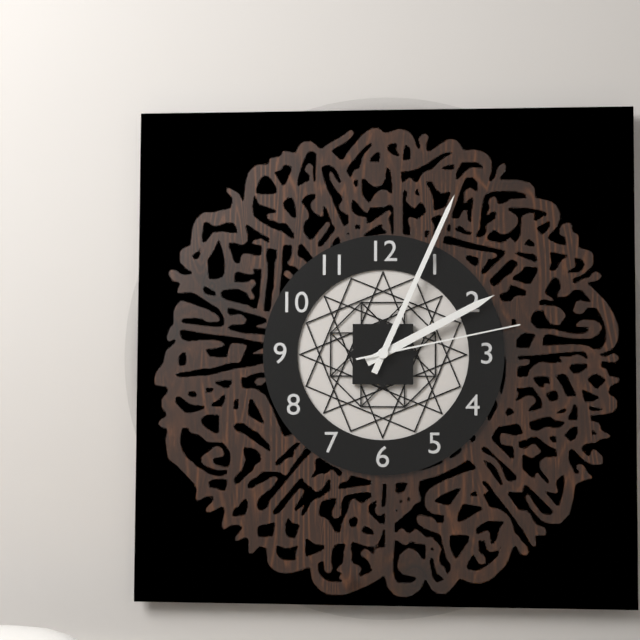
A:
h=2 m=4 s=13
